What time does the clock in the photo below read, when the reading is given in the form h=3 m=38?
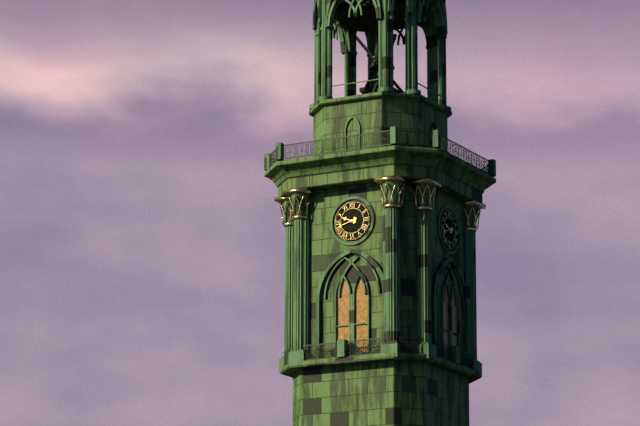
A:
h=9 m=42
